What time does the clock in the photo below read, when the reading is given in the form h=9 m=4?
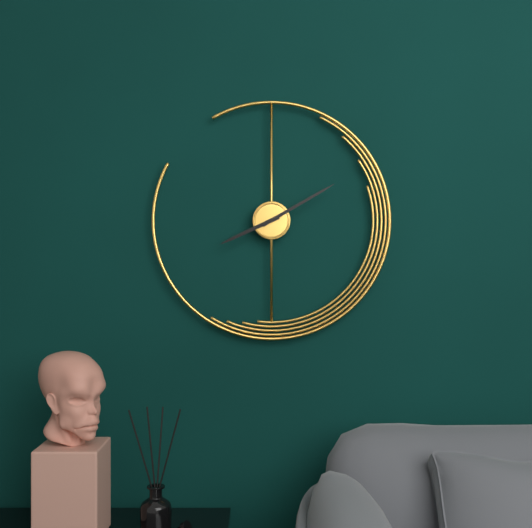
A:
h=8 m=10
